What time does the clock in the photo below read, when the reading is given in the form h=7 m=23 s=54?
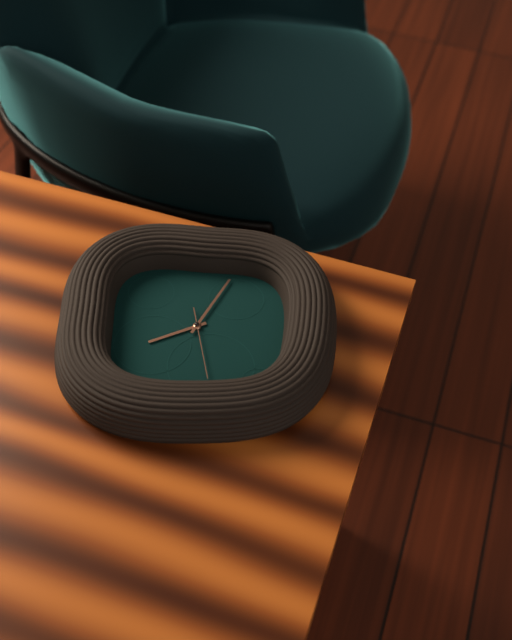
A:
h=8 m=4 s=28
